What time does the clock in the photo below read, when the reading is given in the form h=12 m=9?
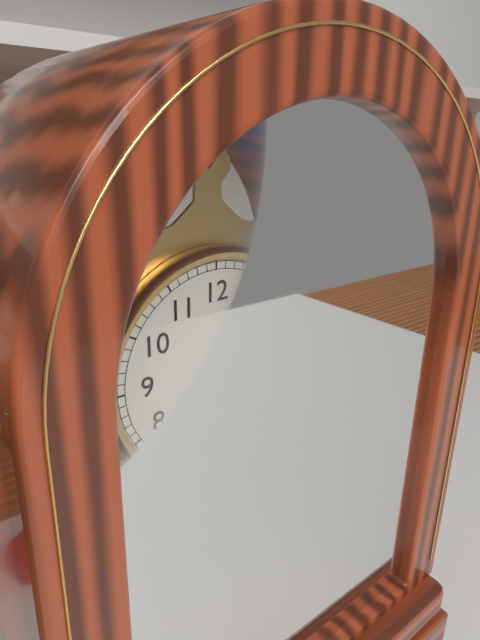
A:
h=5 m=30
